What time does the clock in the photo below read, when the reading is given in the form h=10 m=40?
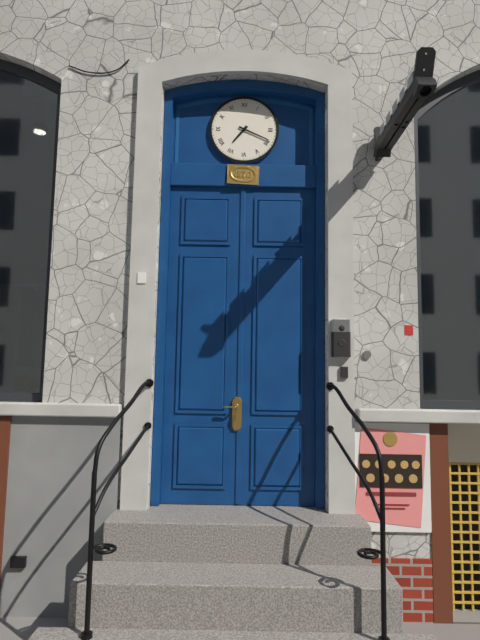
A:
h=7 m=19
